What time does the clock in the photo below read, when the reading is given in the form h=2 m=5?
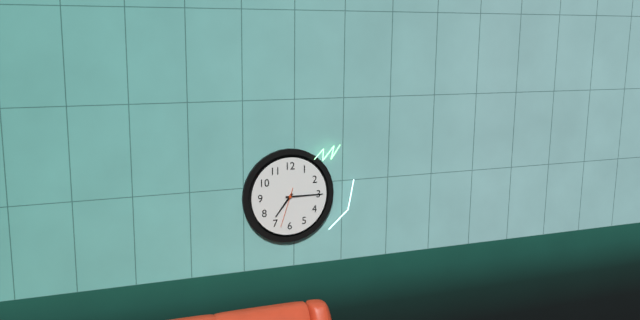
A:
h=7 m=15
